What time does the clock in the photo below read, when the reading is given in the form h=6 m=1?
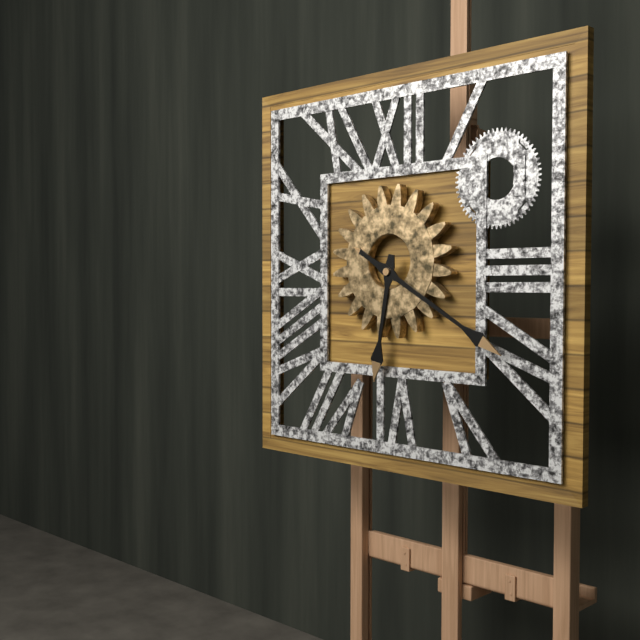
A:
h=6 m=20
